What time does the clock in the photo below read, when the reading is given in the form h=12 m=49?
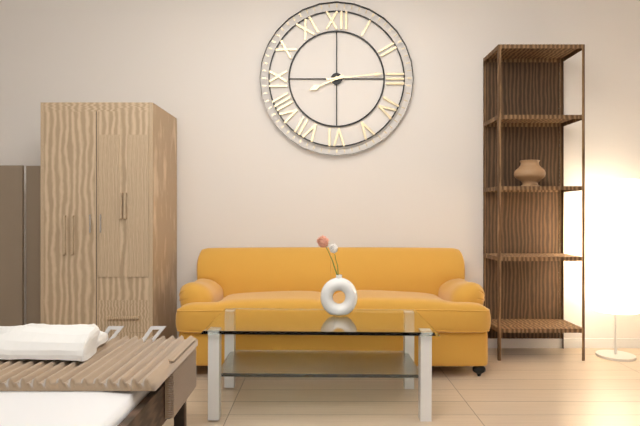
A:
h=8 m=14
